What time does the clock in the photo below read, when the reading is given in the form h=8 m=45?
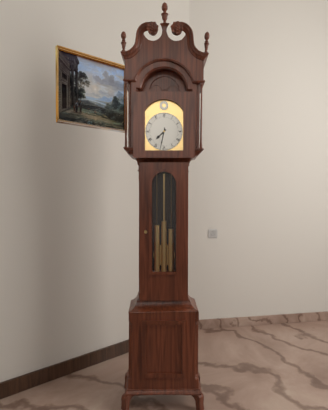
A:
h=7 m=32
